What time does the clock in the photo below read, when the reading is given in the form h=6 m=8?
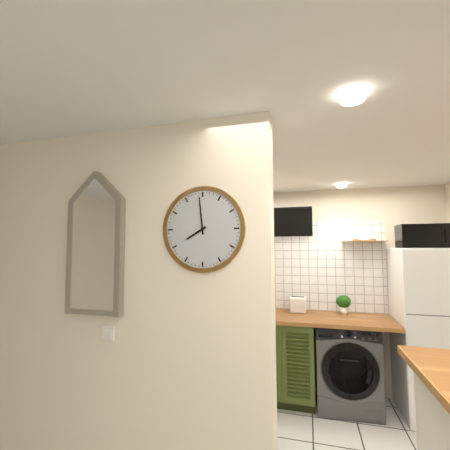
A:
h=7 m=59
